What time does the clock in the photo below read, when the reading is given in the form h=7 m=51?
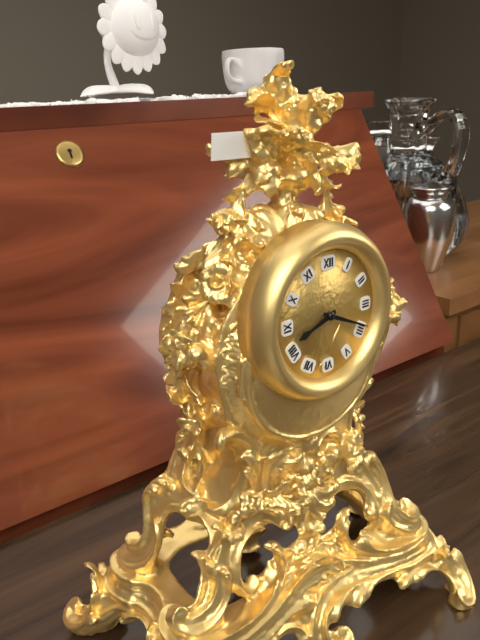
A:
h=8 m=19
